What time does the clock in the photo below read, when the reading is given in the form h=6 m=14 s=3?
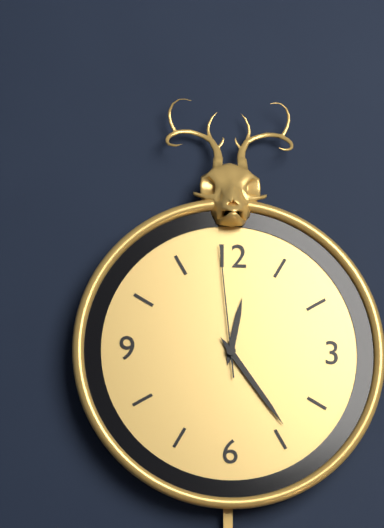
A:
h=12 m=24 s=59
